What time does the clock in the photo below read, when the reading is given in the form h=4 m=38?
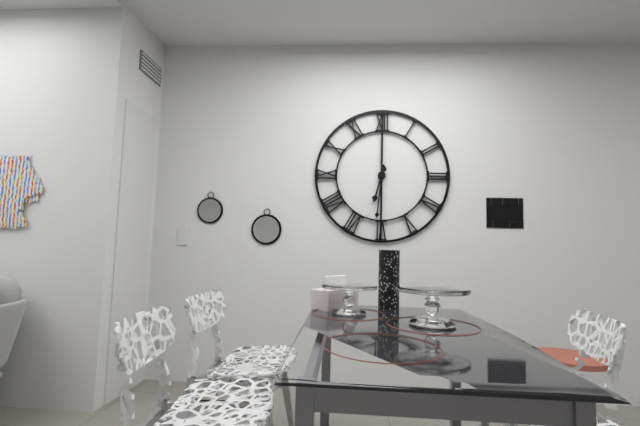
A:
h=6 m=31
